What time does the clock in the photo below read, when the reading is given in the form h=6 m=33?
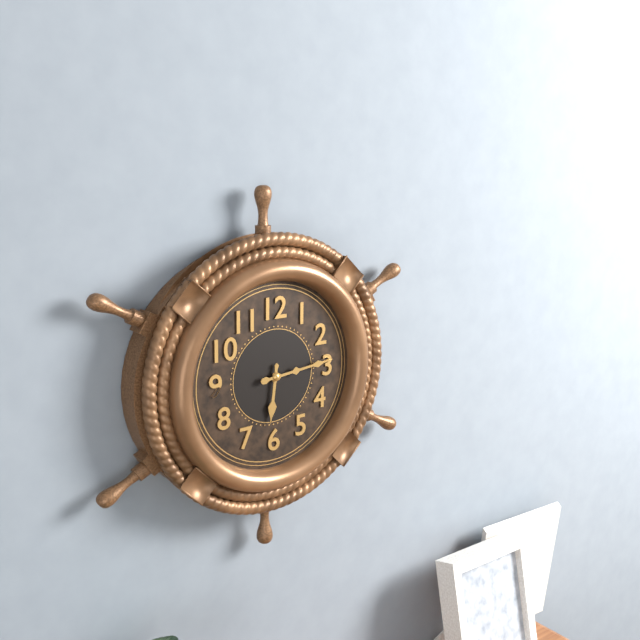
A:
h=6 m=14
